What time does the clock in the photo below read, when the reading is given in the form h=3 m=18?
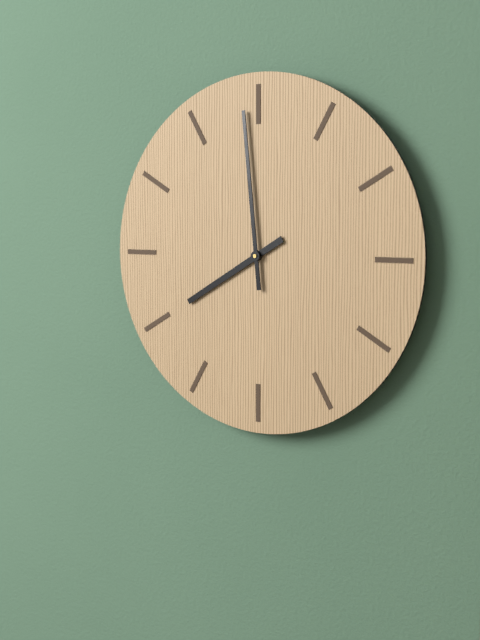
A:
h=7 m=59
